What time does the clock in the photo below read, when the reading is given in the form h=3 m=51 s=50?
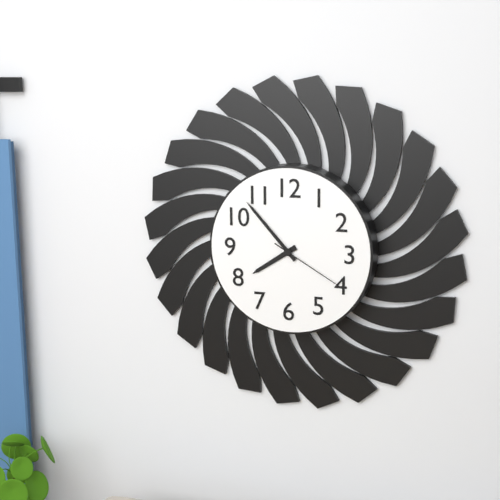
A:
h=7 m=53 s=20
